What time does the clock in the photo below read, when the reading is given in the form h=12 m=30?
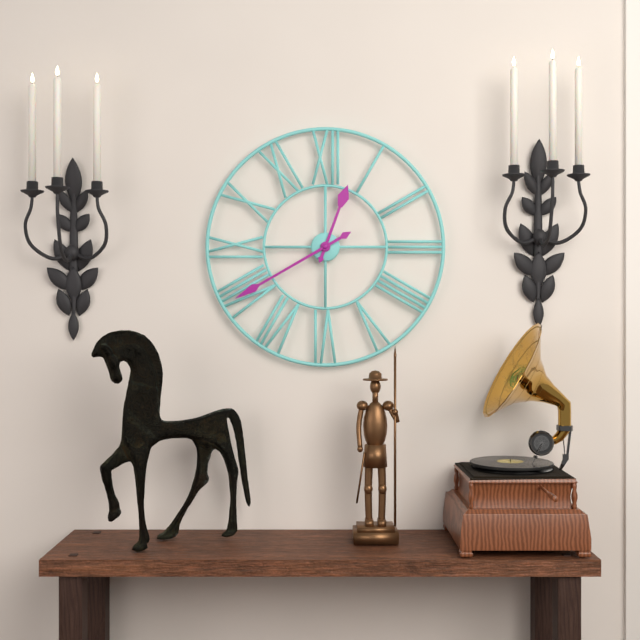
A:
h=12 m=40
